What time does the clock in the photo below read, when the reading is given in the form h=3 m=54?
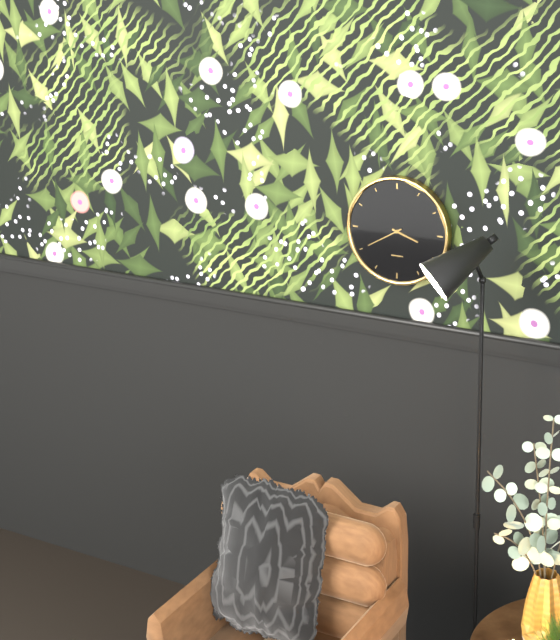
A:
h=3 m=40
